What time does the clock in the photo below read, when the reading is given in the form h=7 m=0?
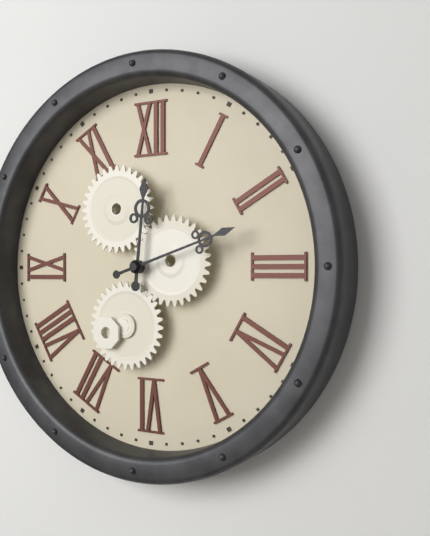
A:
h=12 m=12
